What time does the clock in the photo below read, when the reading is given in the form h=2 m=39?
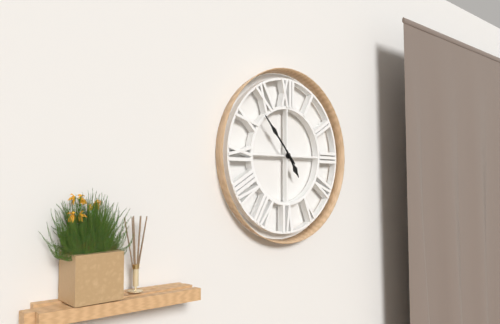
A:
h=4 m=53
